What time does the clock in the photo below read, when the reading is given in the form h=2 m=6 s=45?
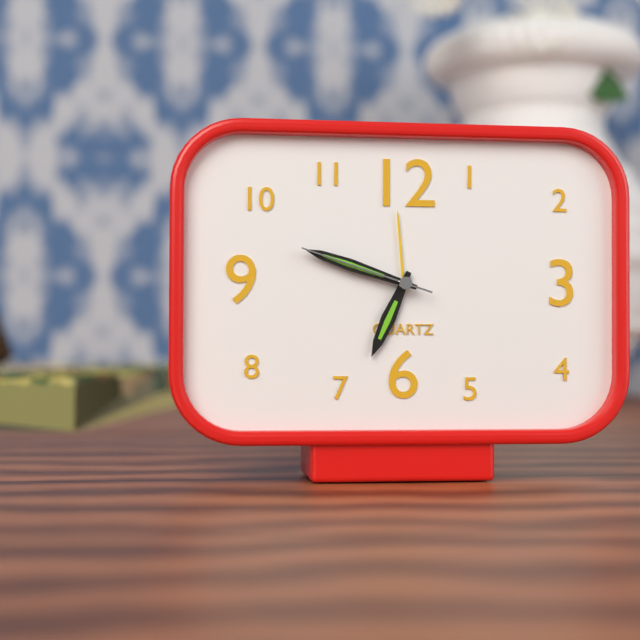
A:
h=6 m=48 s=48
